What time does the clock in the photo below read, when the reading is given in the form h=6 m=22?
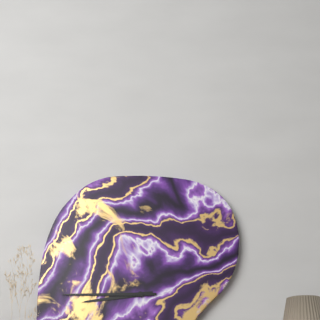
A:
h=8 m=45
